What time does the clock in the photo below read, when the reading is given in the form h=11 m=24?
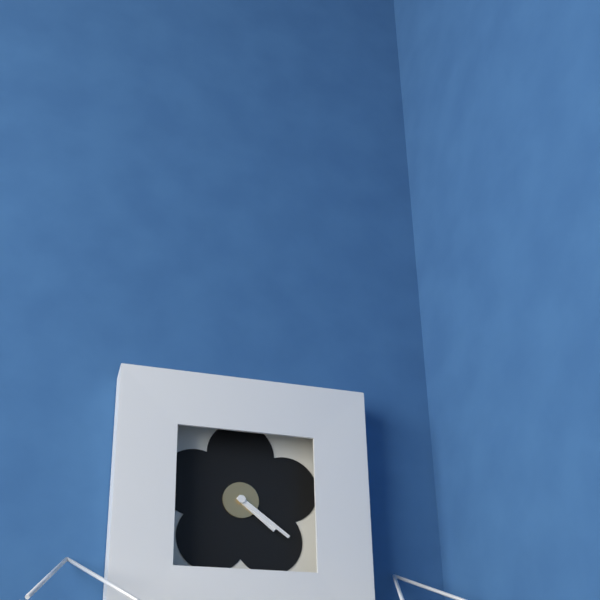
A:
h=4 m=21
